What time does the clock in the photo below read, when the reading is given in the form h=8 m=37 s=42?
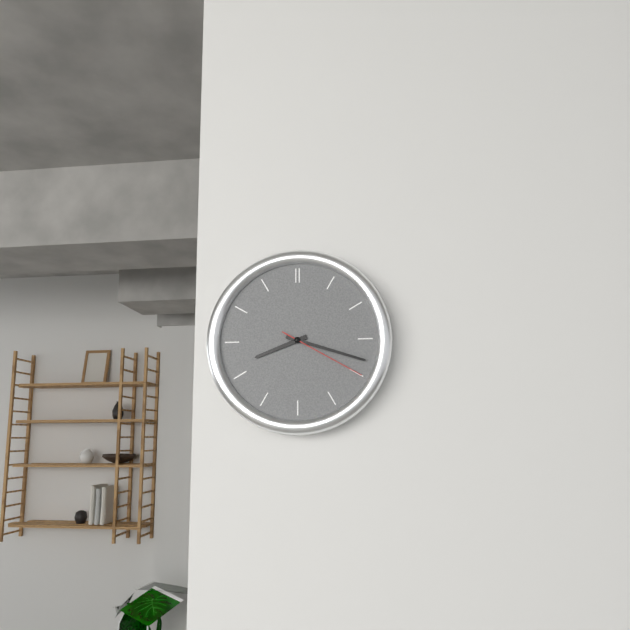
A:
h=8 m=18 s=20
